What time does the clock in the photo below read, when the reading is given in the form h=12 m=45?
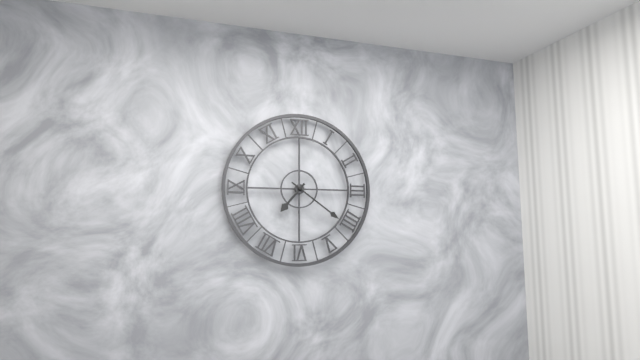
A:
h=7 m=21
